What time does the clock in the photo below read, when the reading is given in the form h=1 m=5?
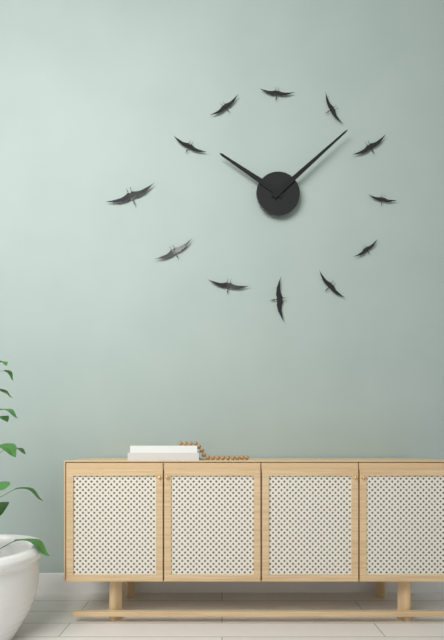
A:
h=10 m=8
